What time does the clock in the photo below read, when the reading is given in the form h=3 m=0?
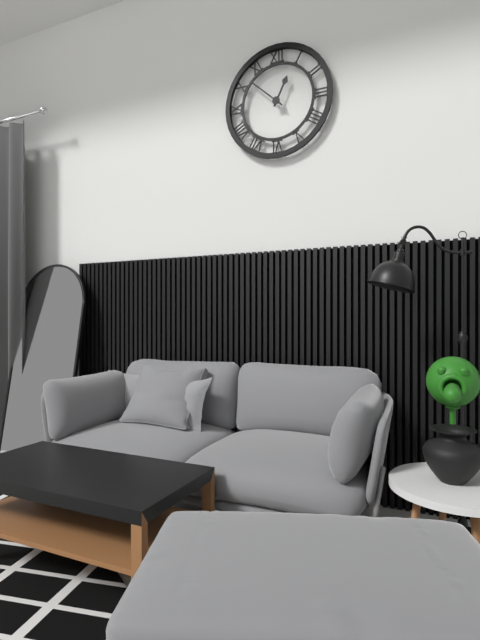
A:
h=12 m=52
